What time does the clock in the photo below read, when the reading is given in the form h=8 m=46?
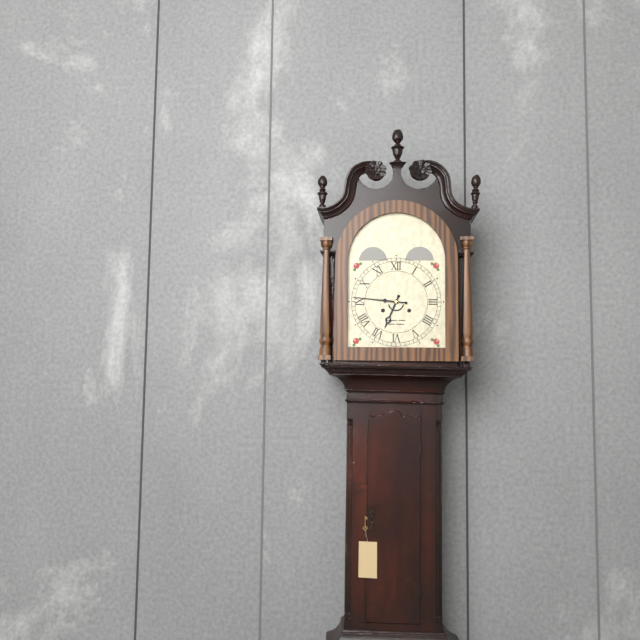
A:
h=6 m=46
